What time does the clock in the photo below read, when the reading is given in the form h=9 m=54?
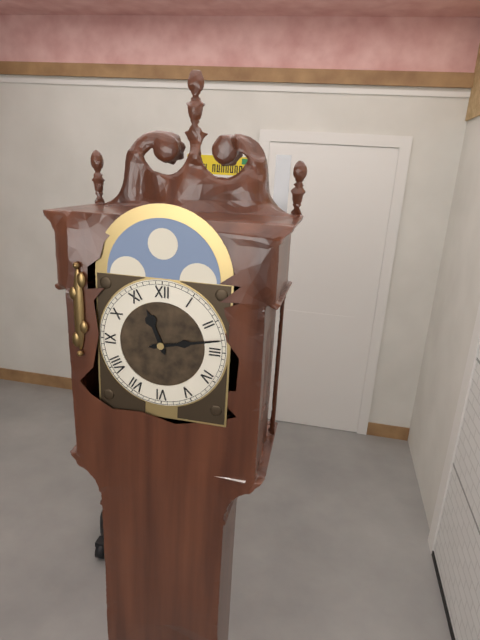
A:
h=11 m=13
